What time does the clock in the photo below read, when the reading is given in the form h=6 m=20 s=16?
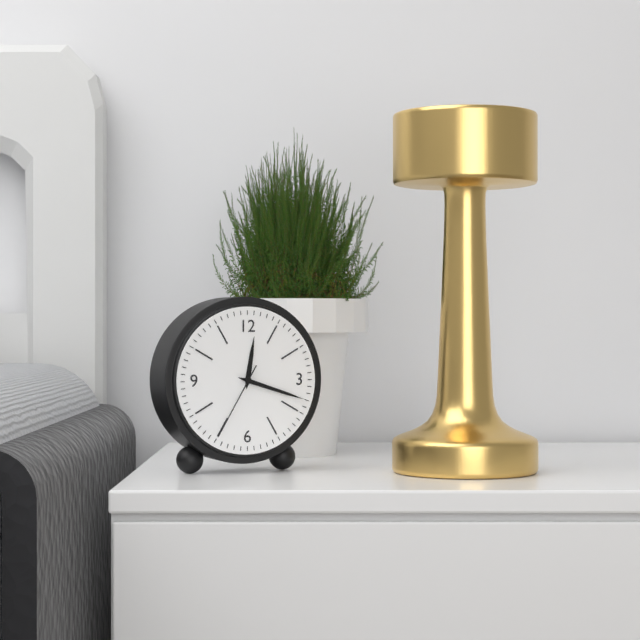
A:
h=12 m=18 s=35
